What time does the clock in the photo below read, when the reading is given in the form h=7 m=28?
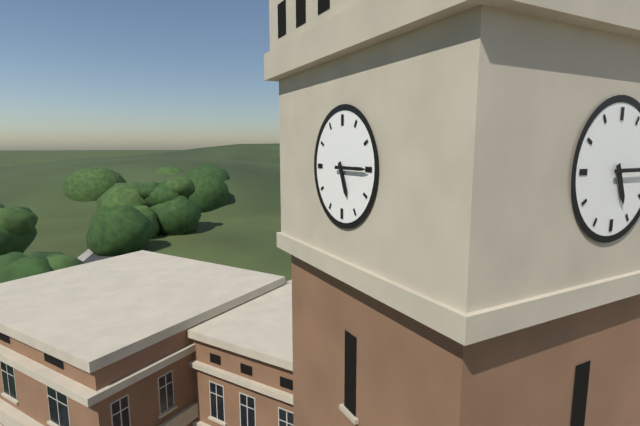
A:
h=5 m=15
